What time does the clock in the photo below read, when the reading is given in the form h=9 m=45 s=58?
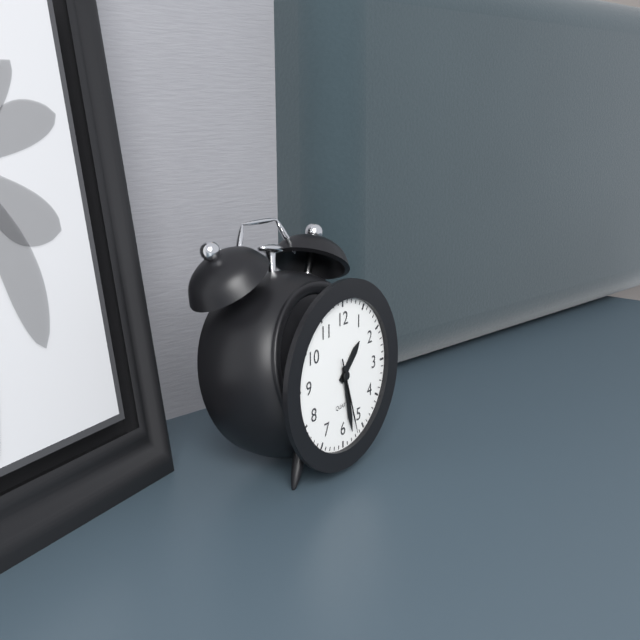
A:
h=1 m=28 s=27
